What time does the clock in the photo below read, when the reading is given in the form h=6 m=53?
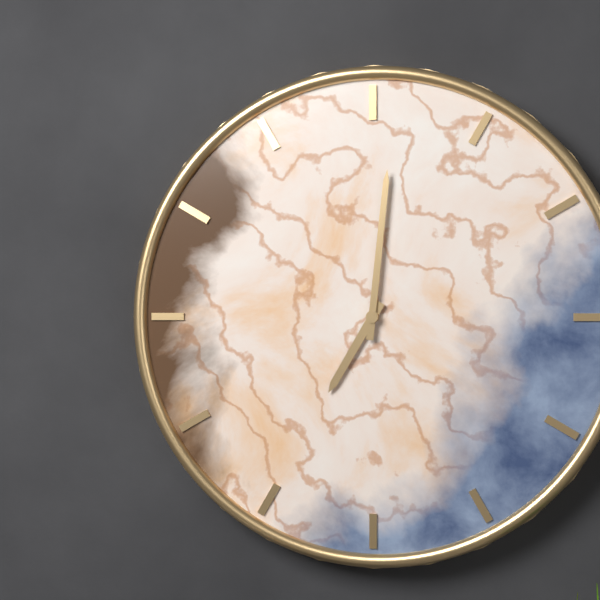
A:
h=7 m=1
